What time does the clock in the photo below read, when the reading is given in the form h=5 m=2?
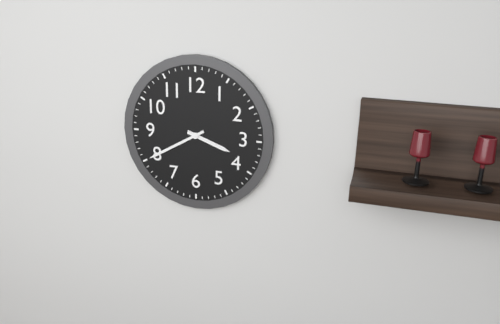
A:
h=3 m=40
